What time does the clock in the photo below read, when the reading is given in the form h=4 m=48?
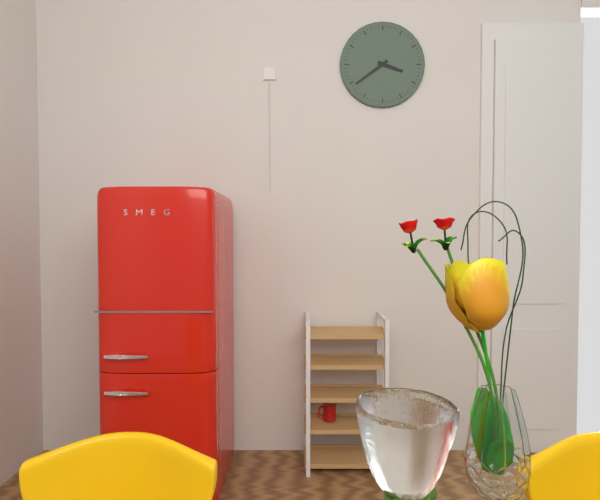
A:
h=3 m=39
